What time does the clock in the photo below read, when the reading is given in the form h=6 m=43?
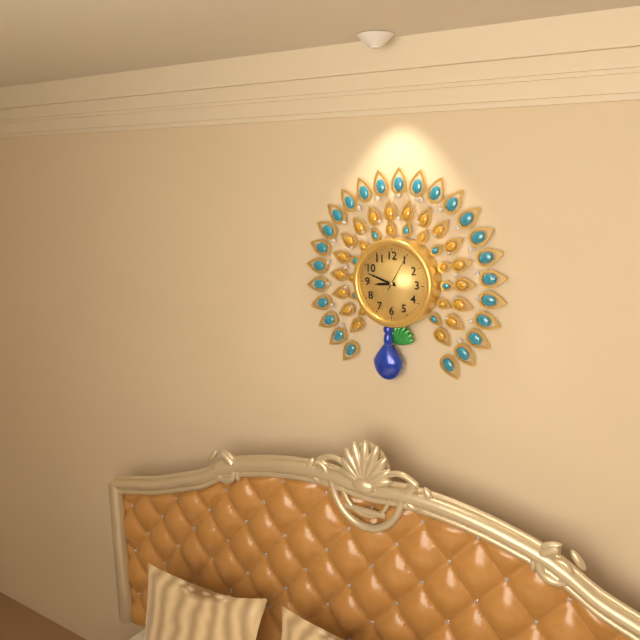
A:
h=8 m=48
